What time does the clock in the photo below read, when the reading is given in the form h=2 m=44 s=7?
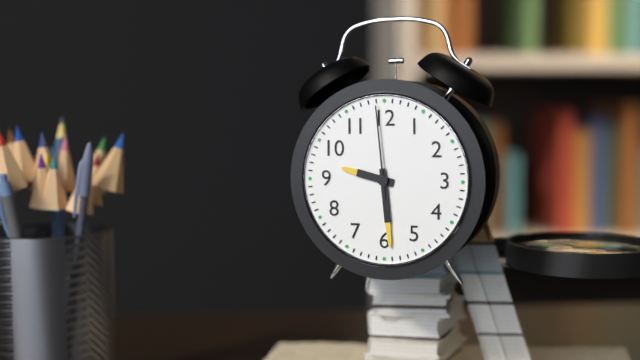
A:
h=9 m=29 s=59
